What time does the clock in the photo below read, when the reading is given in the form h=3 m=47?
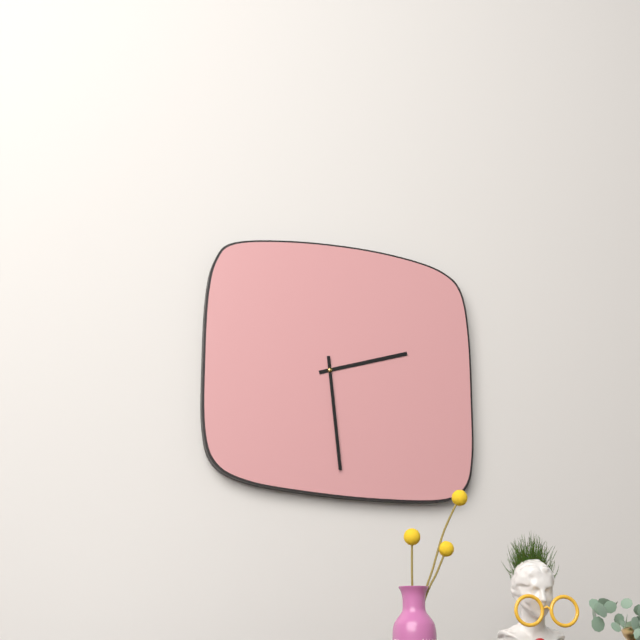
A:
h=2 m=29
